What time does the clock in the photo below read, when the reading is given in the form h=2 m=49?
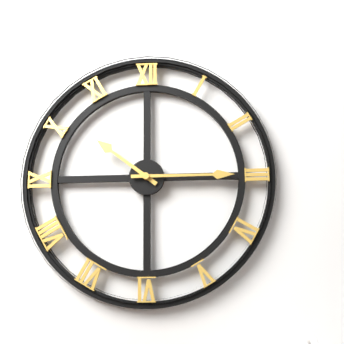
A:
h=10 m=15
